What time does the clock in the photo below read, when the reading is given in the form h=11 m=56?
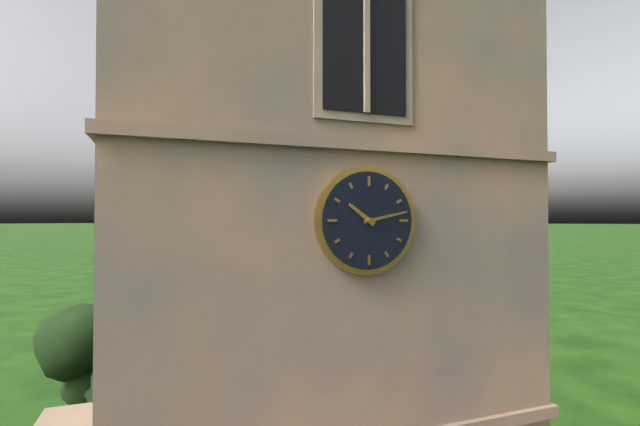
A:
h=10 m=13
